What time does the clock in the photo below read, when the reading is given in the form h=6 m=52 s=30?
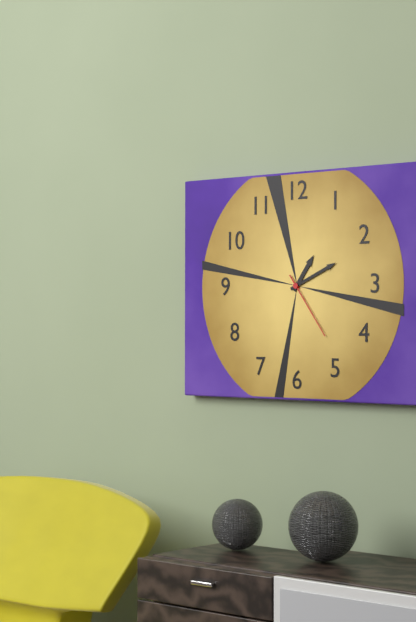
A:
h=1 m=11 s=24
